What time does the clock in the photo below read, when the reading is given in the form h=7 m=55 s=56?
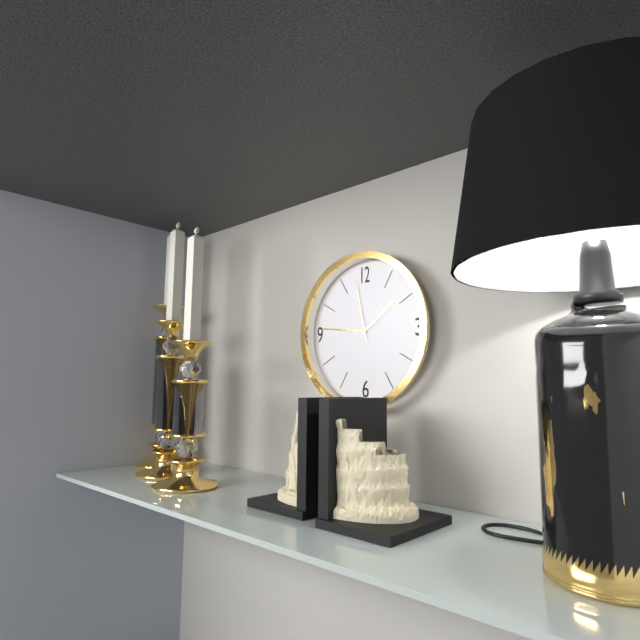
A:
h=1 m=46 s=58
